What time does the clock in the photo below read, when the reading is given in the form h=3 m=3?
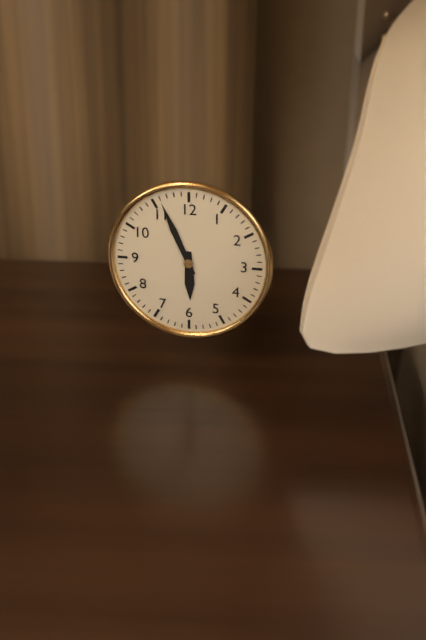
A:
h=5 m=56
